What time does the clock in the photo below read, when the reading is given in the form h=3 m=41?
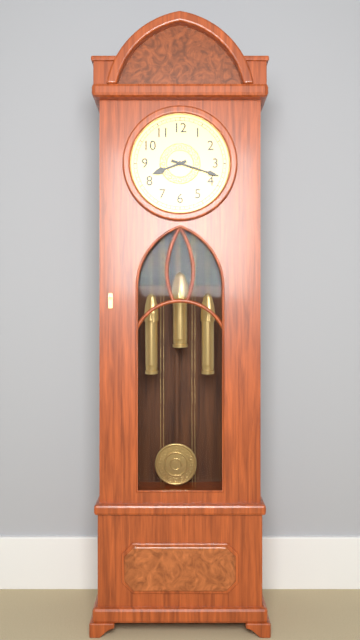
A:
h=8 m=18
